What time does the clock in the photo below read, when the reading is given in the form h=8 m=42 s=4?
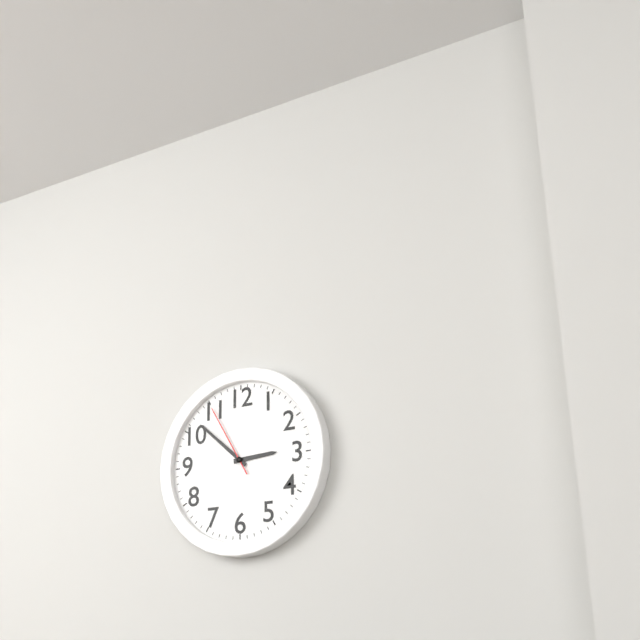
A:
h=2 m=52 s=55
